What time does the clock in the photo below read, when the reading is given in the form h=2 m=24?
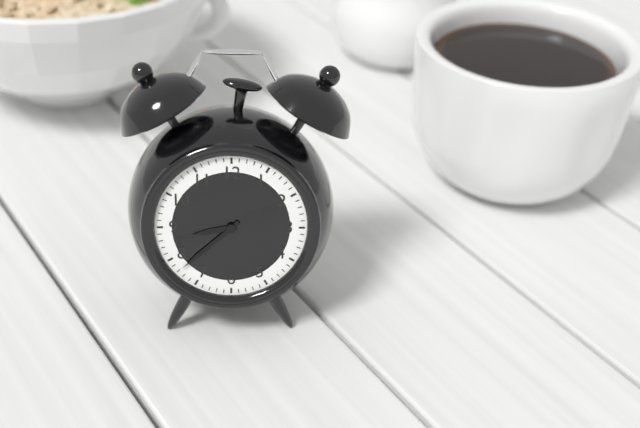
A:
h=8 m=38
